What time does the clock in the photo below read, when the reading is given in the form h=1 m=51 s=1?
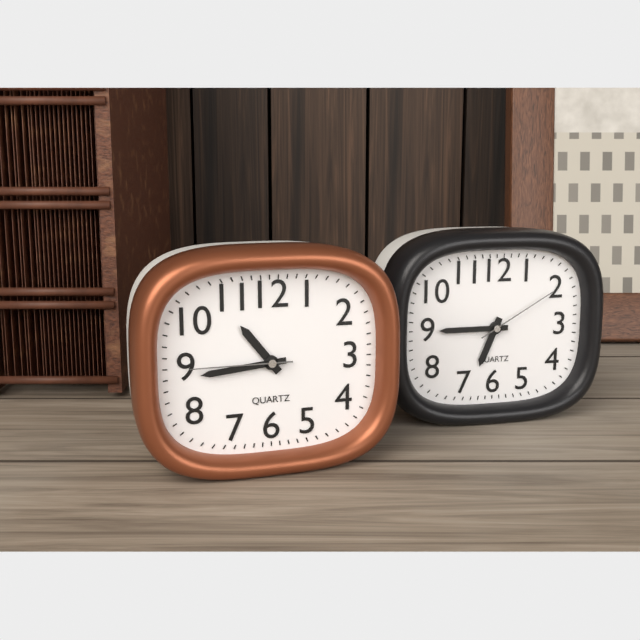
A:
h=10 m=44 s=45
